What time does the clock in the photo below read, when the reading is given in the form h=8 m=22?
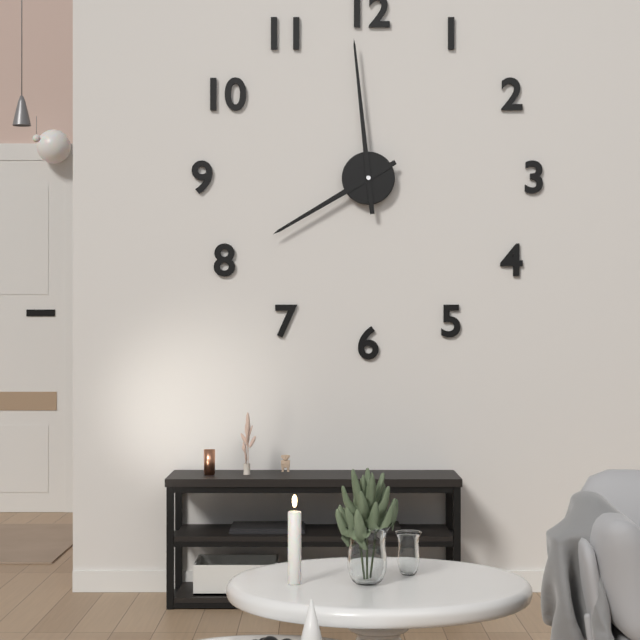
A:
h=7 m=59
